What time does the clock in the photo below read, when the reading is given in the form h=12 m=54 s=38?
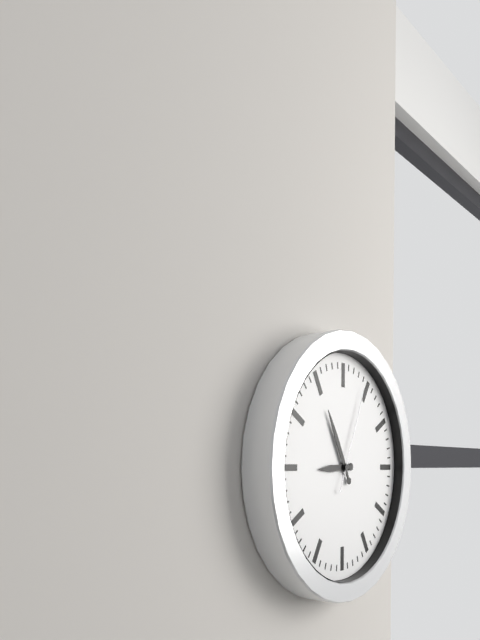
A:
h=8 m=55 s=4
